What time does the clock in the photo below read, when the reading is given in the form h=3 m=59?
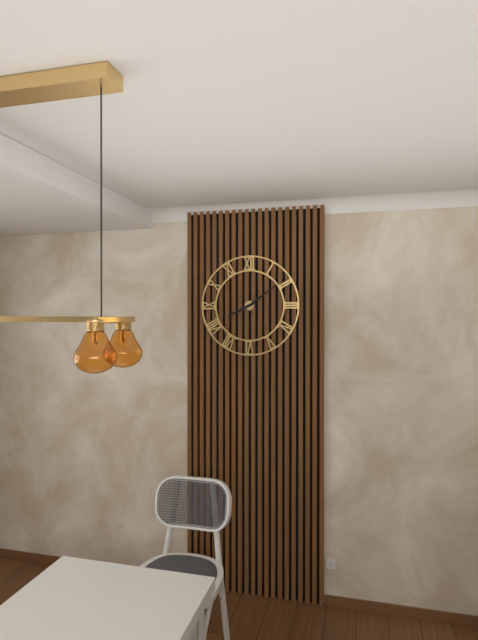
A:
h=8 m=9
